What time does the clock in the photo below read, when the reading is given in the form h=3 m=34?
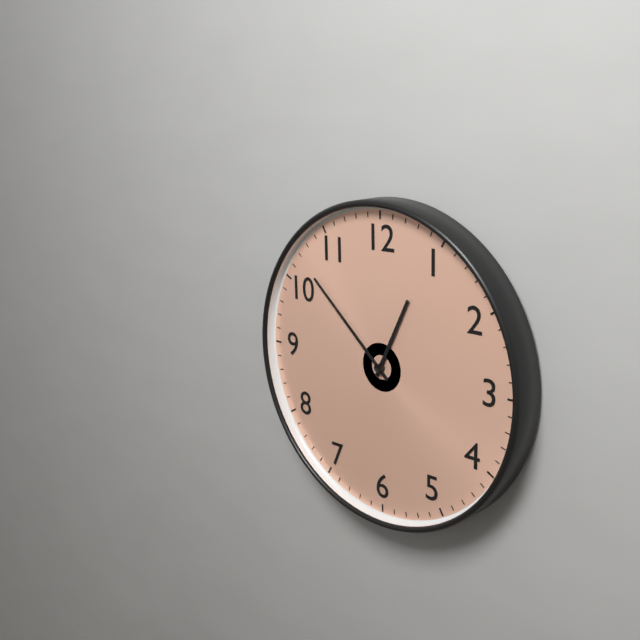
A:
h=12 m=52
